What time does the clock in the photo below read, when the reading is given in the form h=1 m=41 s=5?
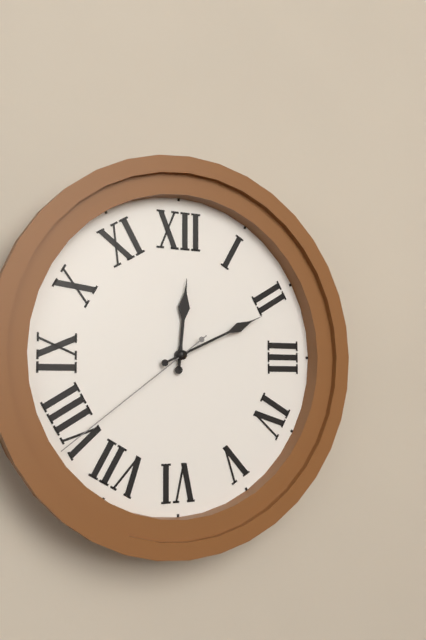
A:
h=12 m=11 s=39
